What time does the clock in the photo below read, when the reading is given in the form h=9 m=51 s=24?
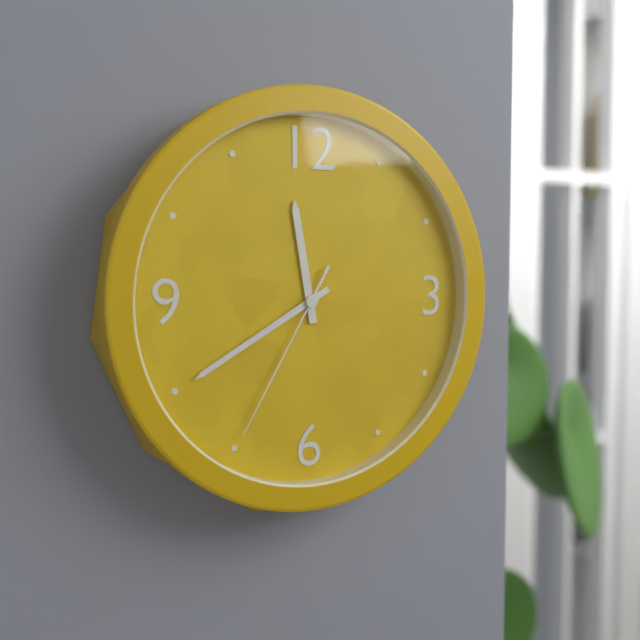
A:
h=11 m=40 s=35
